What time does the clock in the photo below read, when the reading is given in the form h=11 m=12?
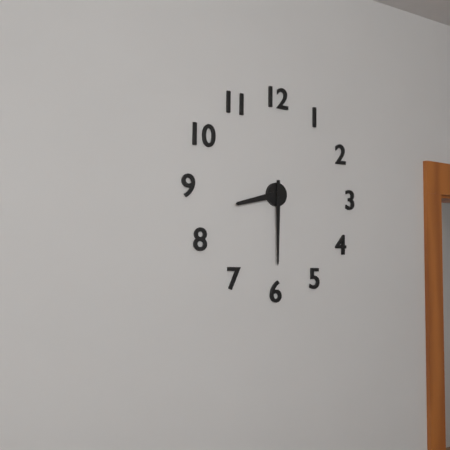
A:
h=8 m=30
